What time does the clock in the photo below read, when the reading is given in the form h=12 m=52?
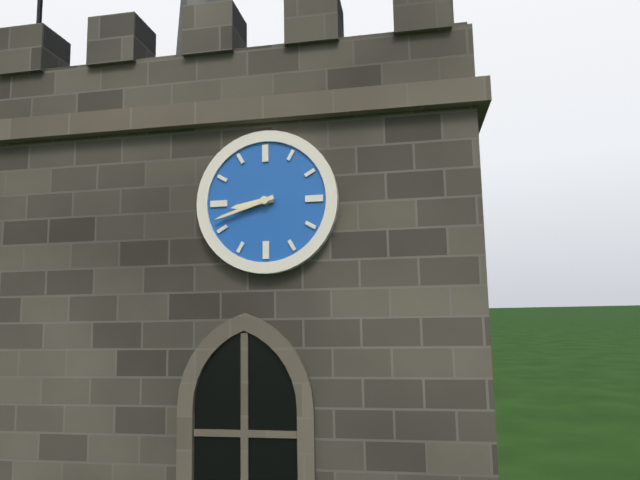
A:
h=8 m=42
